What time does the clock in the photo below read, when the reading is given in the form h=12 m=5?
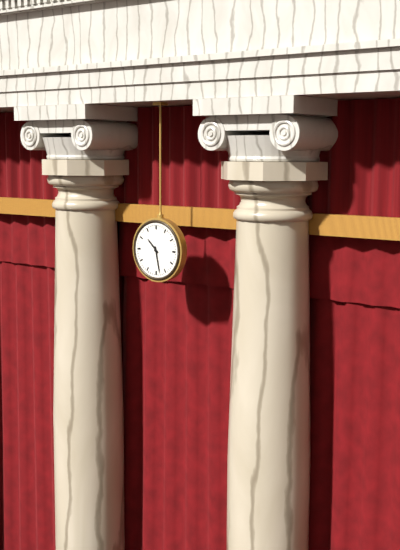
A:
h=10 m=28
